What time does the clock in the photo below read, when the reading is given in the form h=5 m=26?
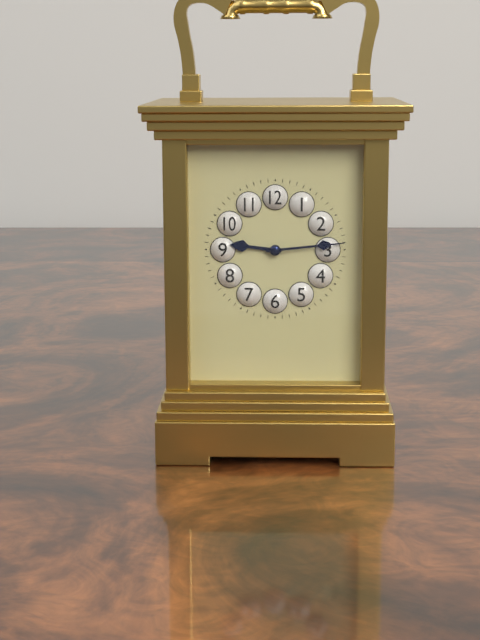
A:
h=9 m=14
